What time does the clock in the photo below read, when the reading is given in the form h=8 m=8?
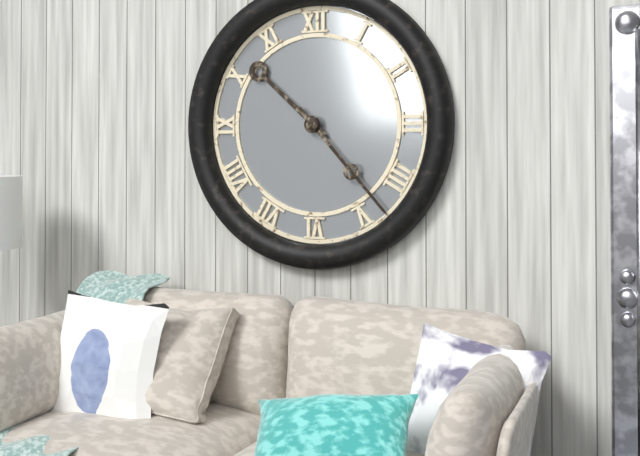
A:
h=10 m=23
